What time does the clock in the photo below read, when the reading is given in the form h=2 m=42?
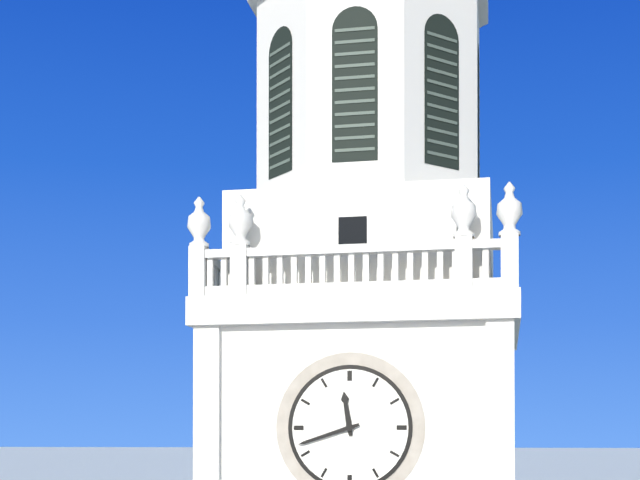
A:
h=11 m=42
